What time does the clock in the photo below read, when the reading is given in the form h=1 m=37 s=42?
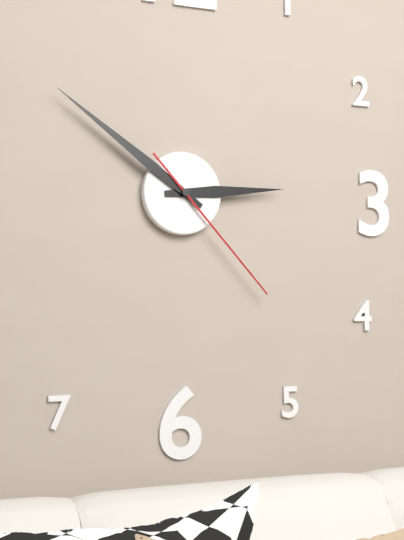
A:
h=2 m=51 s=23
